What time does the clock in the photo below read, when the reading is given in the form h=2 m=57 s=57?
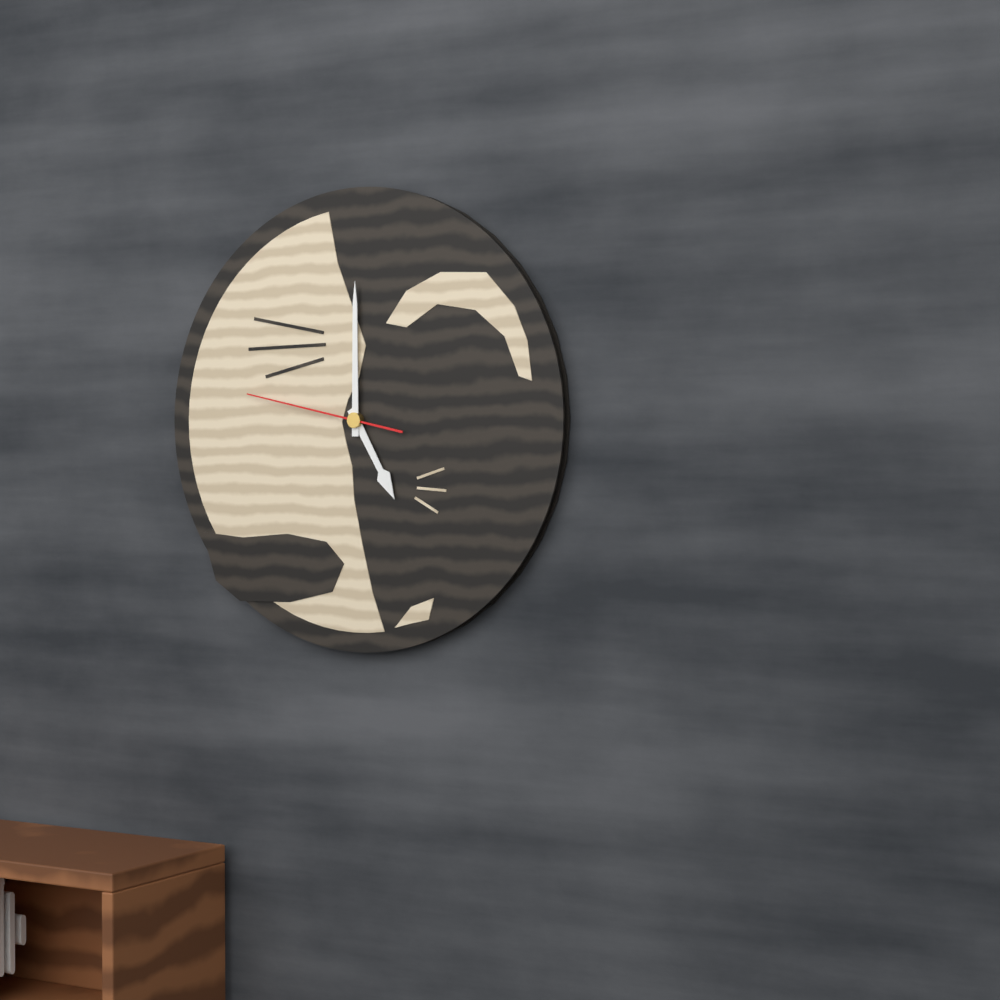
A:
h=5 m=0 s=47
